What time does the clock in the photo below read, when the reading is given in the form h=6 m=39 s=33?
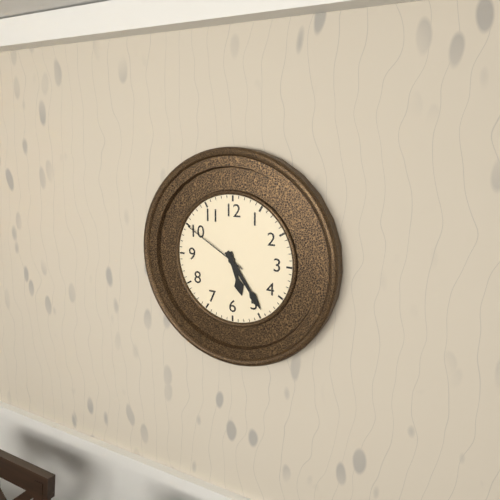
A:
h=5 m=24 s=50
